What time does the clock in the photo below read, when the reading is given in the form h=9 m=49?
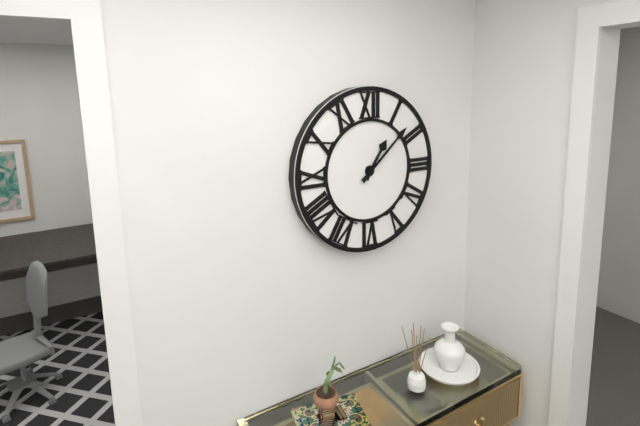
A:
h=1 m=8
